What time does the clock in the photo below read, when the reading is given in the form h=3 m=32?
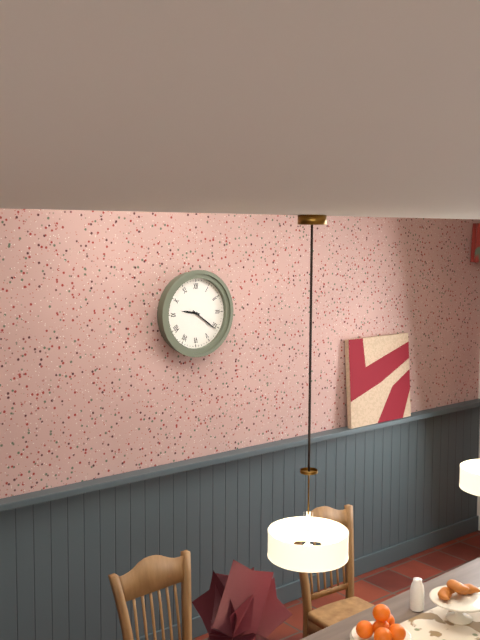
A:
h=9 m=21
